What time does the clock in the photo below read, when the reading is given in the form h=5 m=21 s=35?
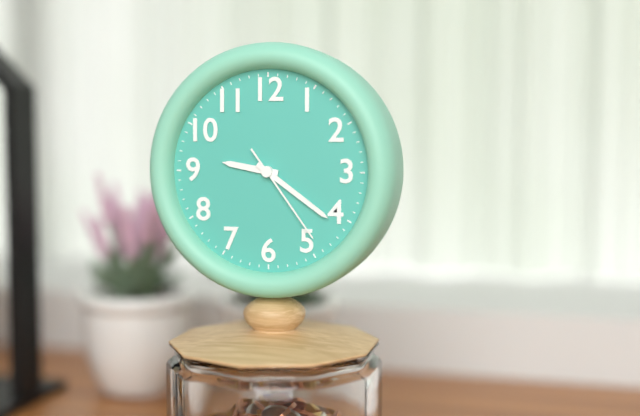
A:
h=9 m=21 s=24
